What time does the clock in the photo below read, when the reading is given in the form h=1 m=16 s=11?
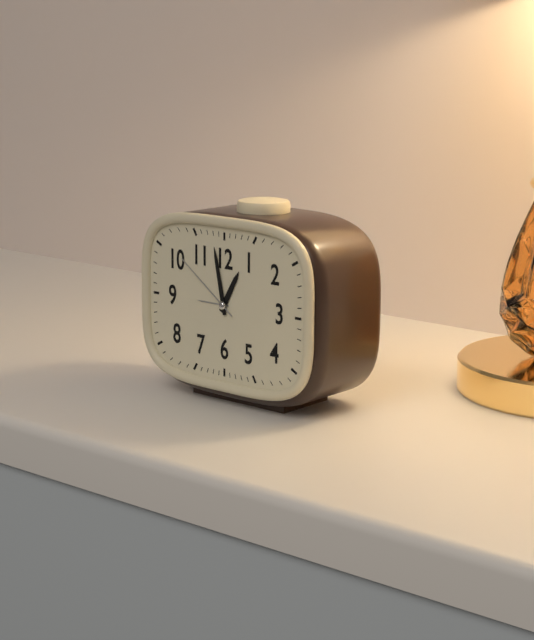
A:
h=12 m=58 s=51
